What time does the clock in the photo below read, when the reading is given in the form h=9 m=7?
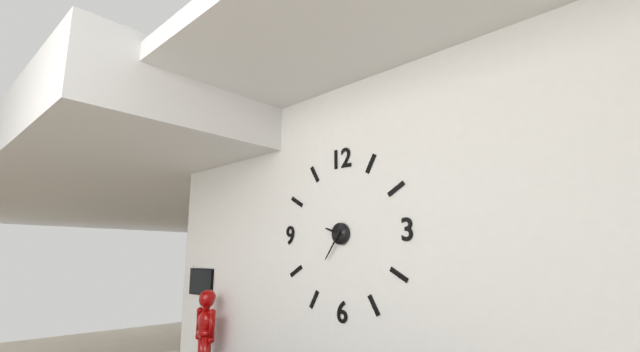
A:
h=9 m=36
